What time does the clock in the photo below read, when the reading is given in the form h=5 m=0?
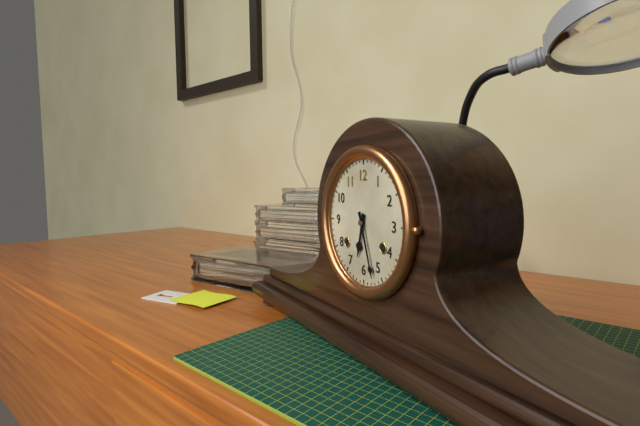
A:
h=6 m=27
